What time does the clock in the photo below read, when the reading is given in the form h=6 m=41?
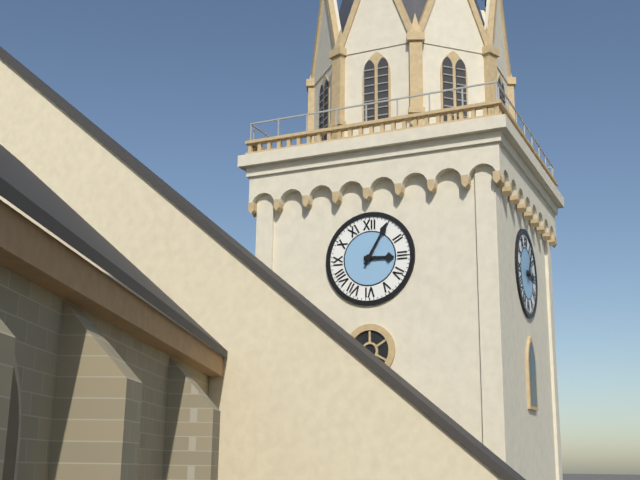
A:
h=3 m=5
